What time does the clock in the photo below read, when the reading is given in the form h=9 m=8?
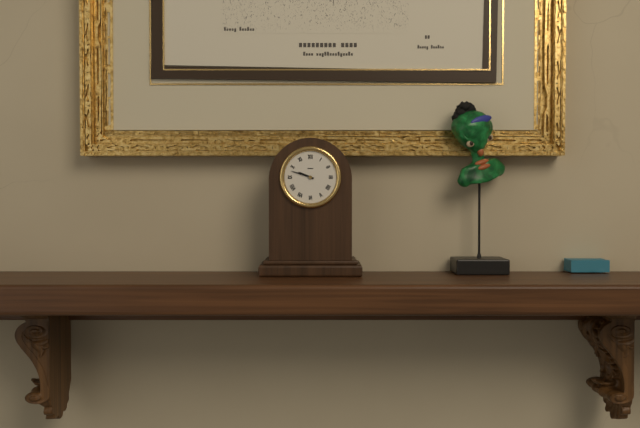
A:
h=9 m=48
